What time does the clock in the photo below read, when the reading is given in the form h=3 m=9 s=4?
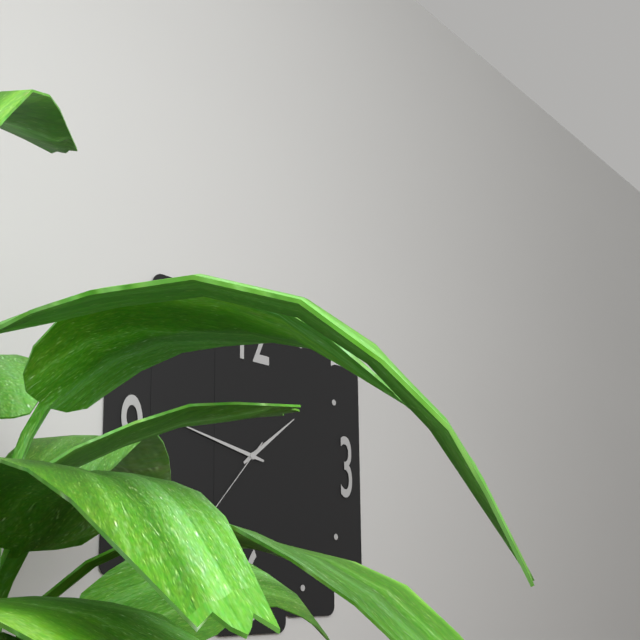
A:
h=1 m=47 s=37
